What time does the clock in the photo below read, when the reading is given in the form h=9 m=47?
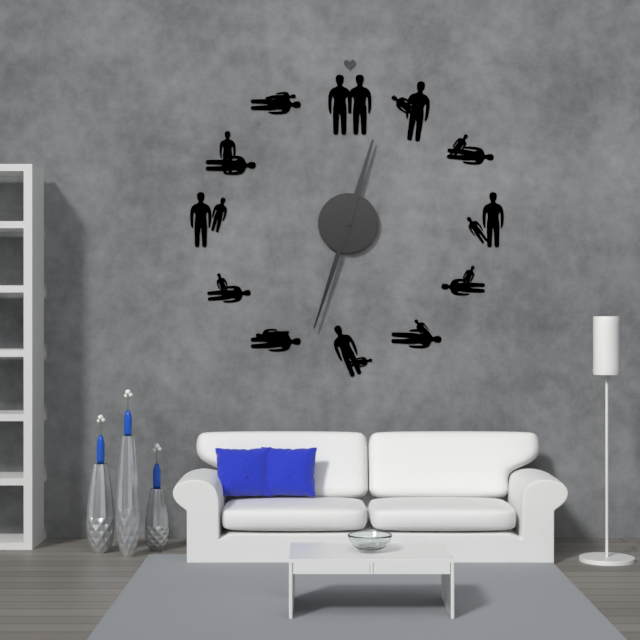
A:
h=12 m=33
